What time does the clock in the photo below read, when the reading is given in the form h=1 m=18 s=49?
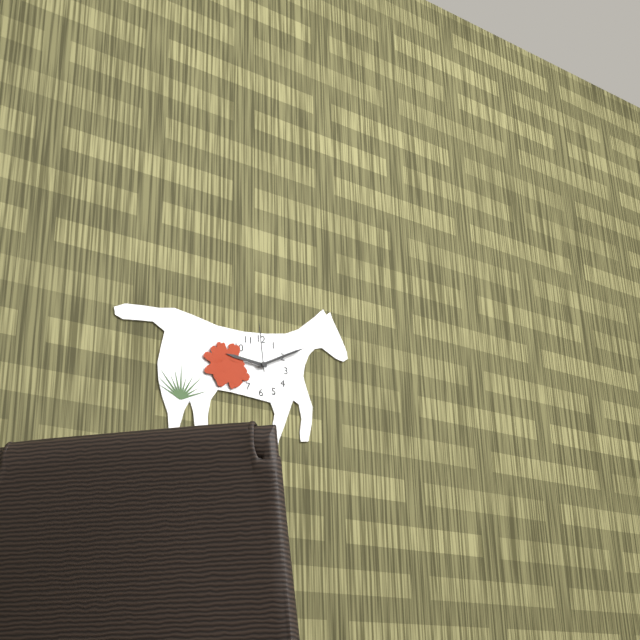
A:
h=9 m=10 s=59
